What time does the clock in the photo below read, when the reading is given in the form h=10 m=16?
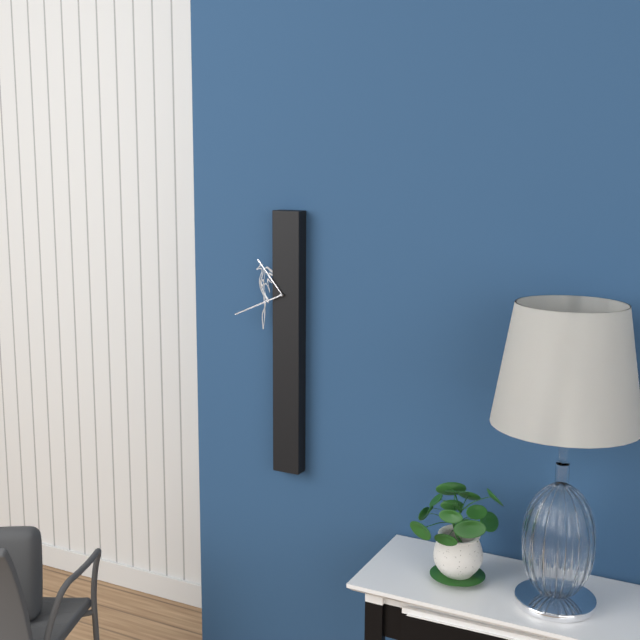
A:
h=10 m=41
